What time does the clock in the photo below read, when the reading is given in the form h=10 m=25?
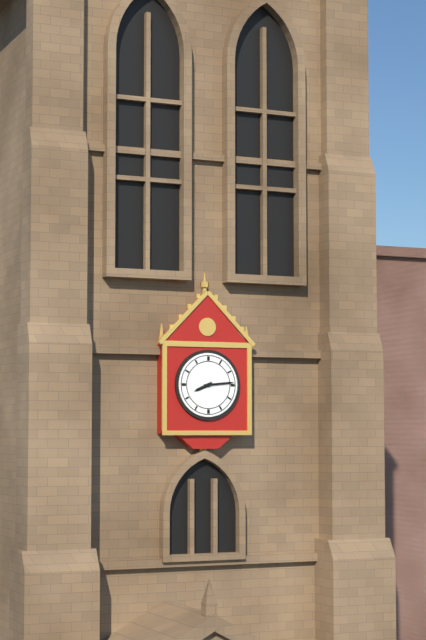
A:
h=8 m=14
